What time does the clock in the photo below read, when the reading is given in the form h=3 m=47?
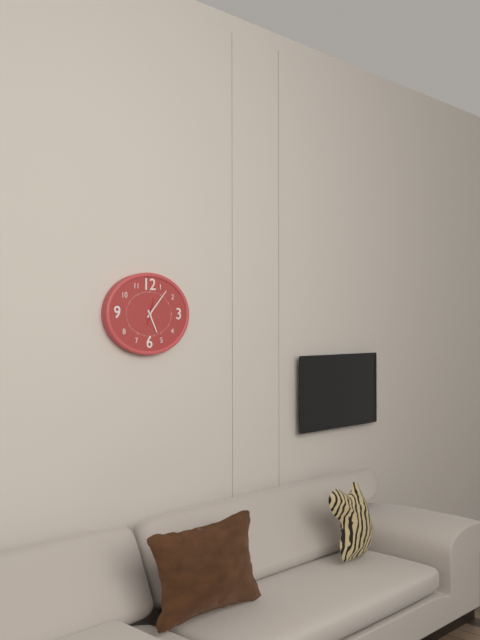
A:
h=5 m=7
